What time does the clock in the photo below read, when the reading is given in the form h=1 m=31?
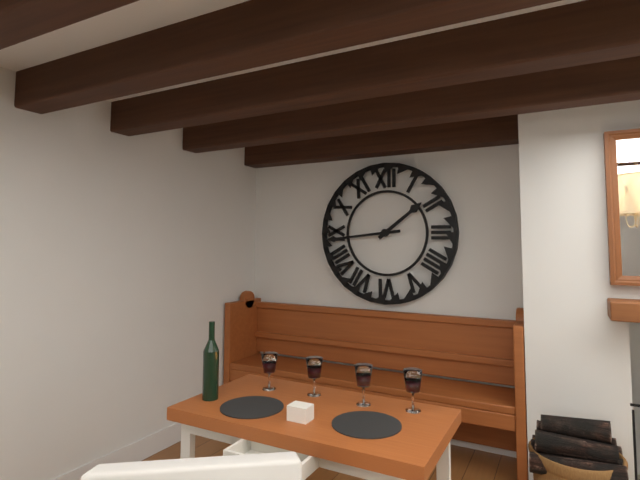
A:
h=1 m=44
